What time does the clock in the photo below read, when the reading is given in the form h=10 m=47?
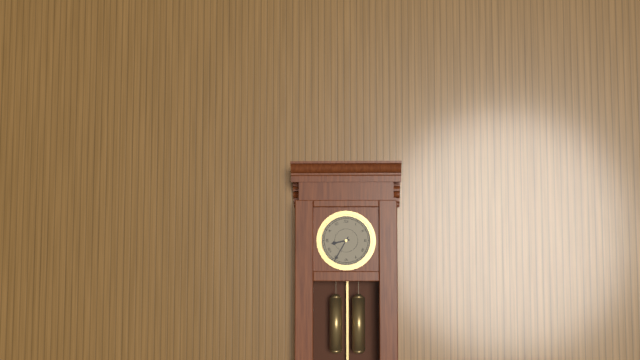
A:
h=8 m=35
